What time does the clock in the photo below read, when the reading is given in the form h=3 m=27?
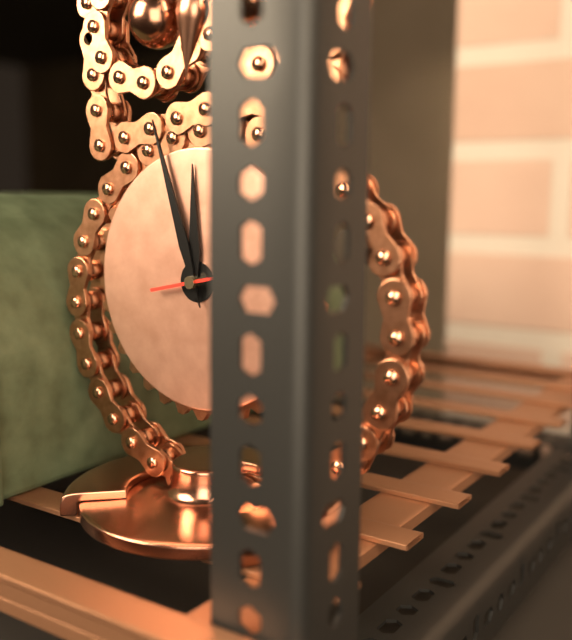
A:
h=11 m=57
